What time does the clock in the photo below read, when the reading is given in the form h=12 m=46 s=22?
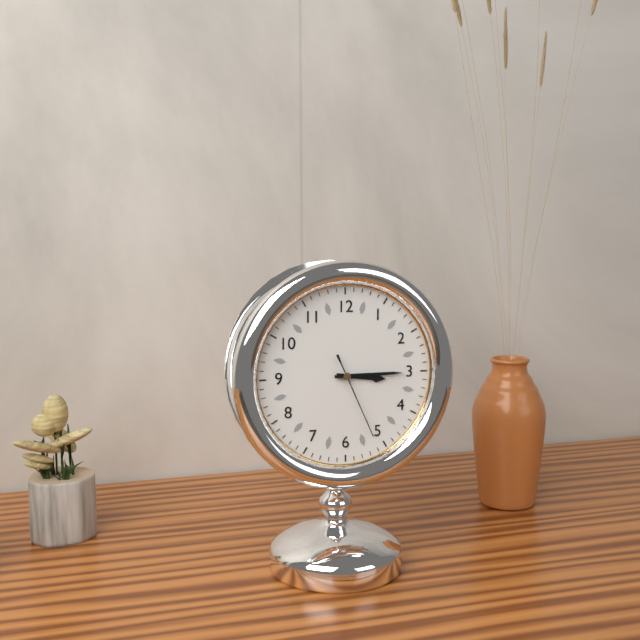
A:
h=3 m=15 s=26
